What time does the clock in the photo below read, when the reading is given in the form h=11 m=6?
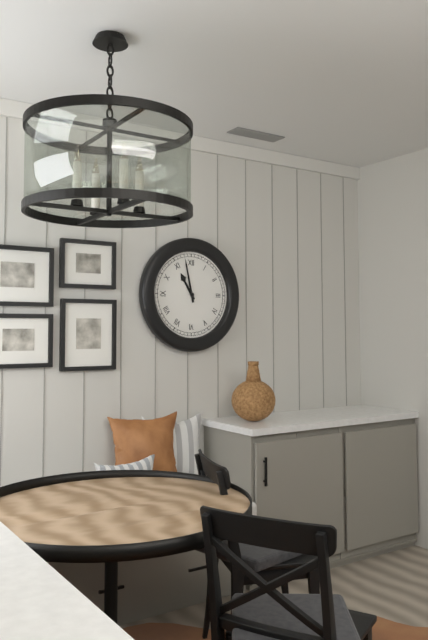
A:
h=10 m=58
